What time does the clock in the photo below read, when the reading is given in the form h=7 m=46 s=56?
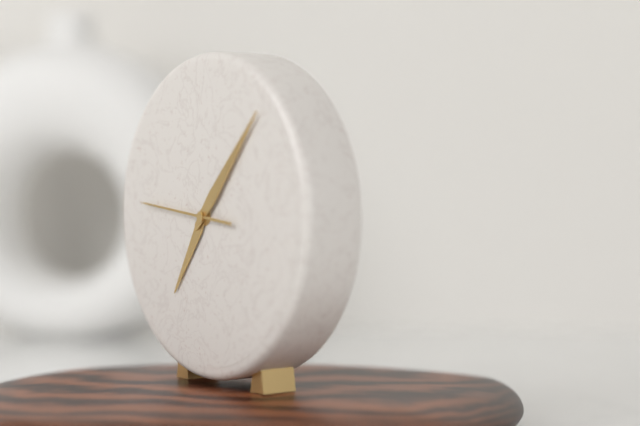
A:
h=7 m=7 s=46
